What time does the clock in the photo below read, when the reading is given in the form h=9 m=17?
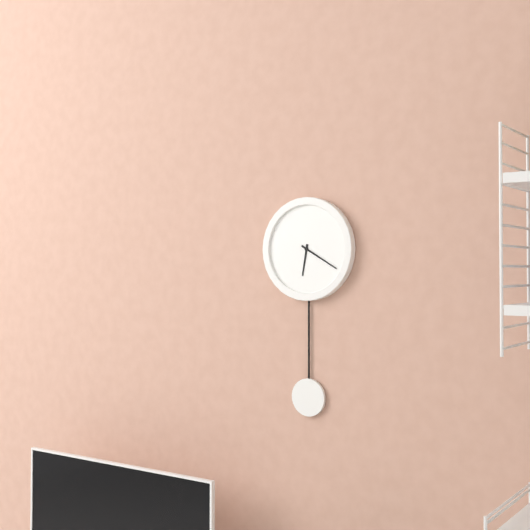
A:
h=6 m=20
